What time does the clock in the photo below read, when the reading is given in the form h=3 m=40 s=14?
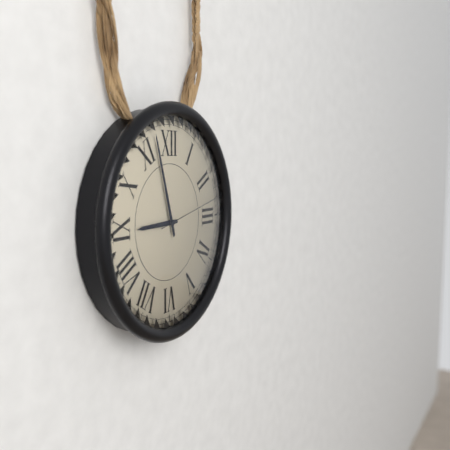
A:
h=8 m=57 s=13
